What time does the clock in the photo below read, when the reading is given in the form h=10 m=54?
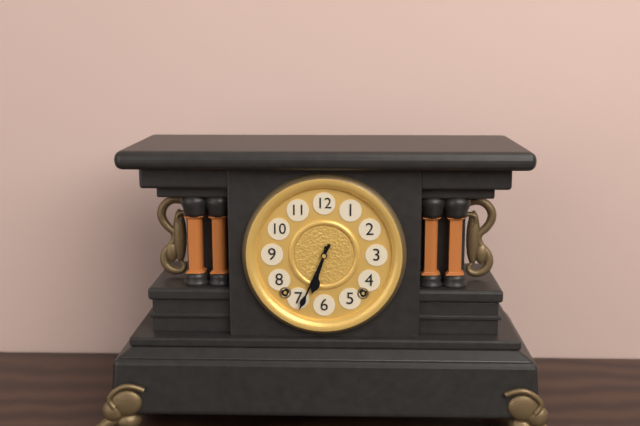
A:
h=6 m=34
